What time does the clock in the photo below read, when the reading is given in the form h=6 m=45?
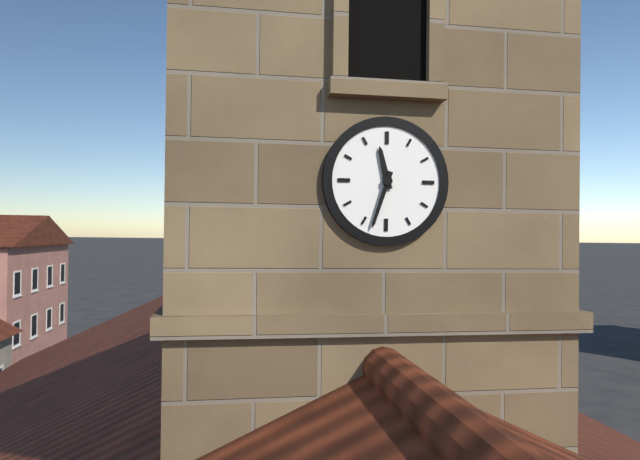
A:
h=11 m=33
